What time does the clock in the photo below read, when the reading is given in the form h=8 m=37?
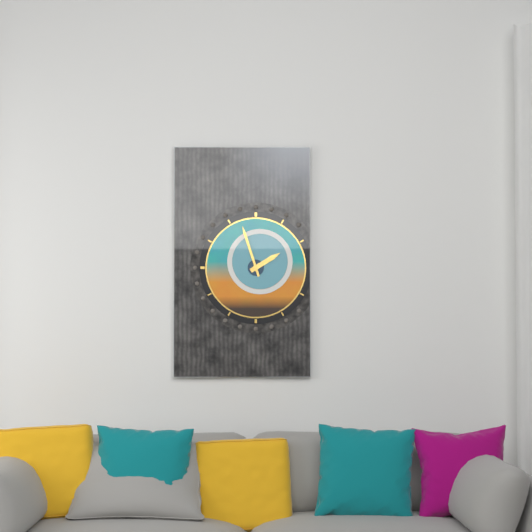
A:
h=1 m=57
